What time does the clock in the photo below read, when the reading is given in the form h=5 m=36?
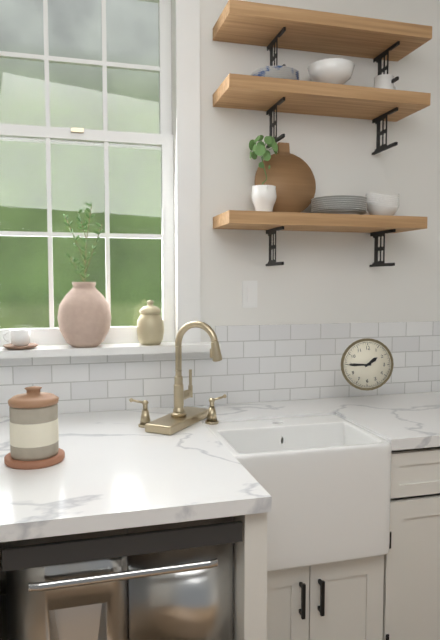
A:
h=1 m=45
